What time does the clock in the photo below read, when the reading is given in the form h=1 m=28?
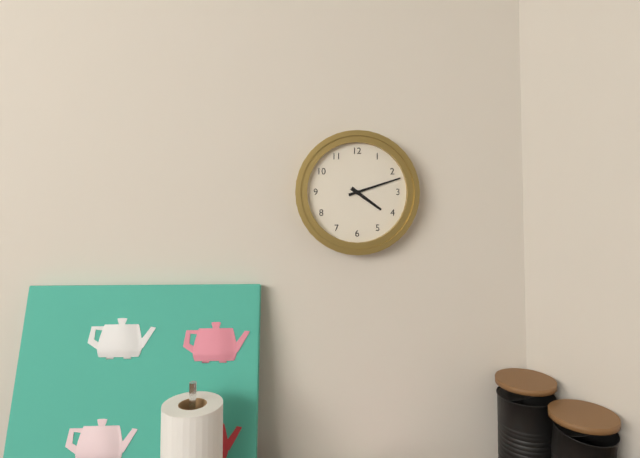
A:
h=4 m=12
